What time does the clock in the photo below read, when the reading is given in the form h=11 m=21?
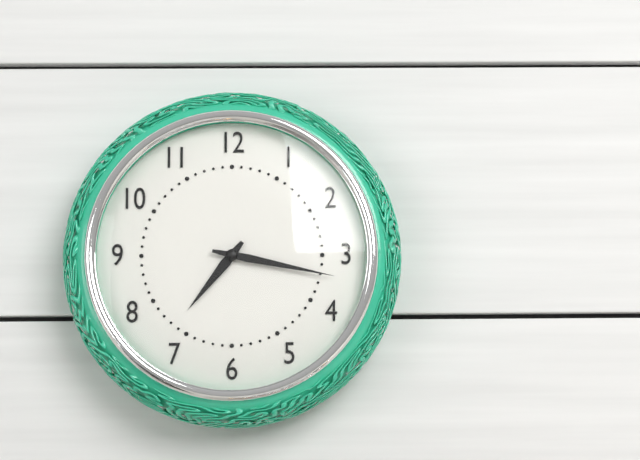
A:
h=7 m=17
